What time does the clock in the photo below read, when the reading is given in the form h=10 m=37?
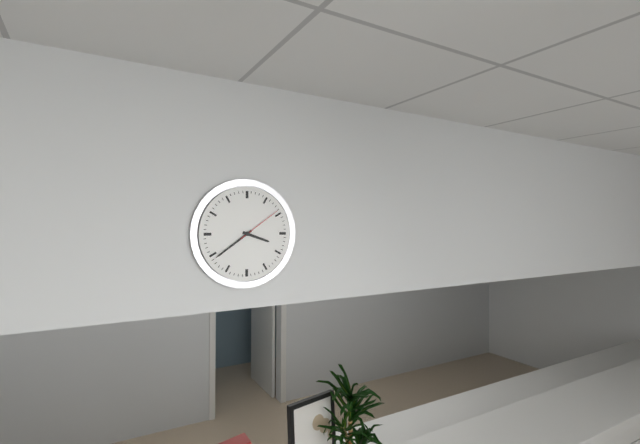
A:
h=3 m=39
